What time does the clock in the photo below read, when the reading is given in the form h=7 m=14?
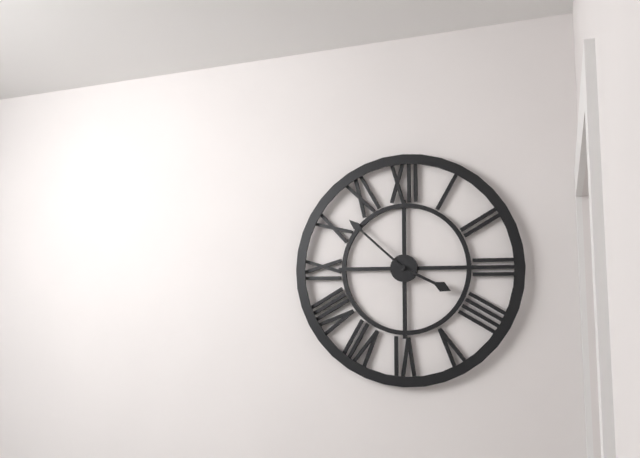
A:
h=3 m=52
